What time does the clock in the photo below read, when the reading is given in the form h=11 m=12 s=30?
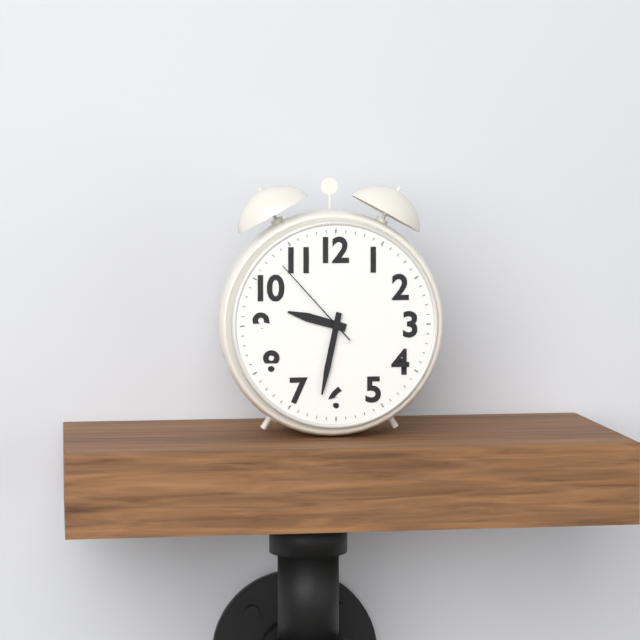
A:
h=9 m=32 s=53
